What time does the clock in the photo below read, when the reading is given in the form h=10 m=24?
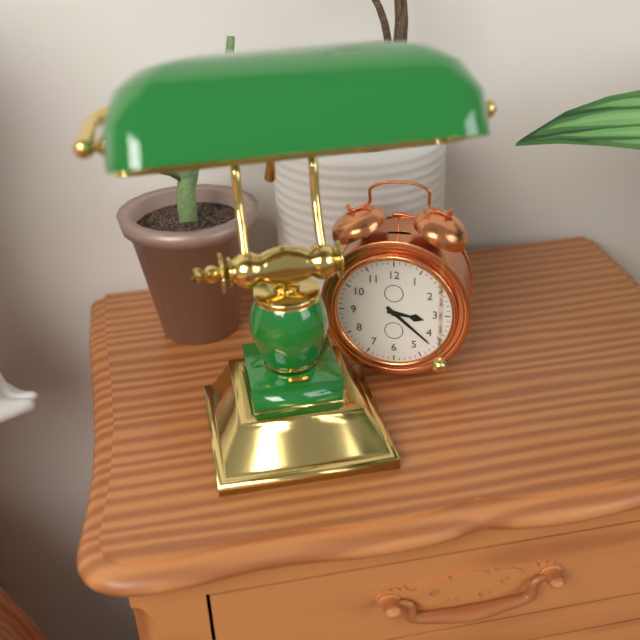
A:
h=3 m=22
